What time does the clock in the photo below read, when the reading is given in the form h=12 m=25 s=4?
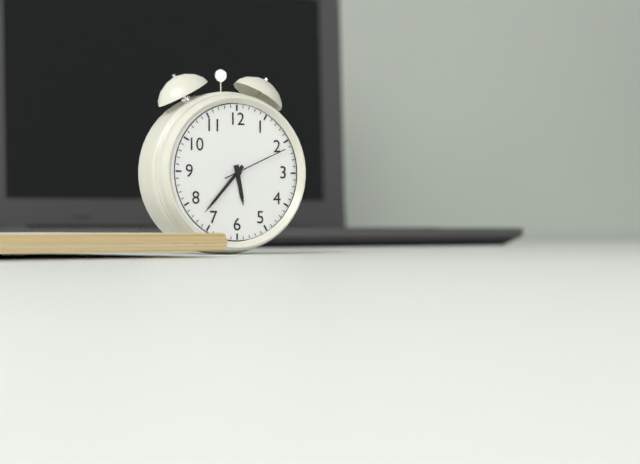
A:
h=5 m=37 s=11
